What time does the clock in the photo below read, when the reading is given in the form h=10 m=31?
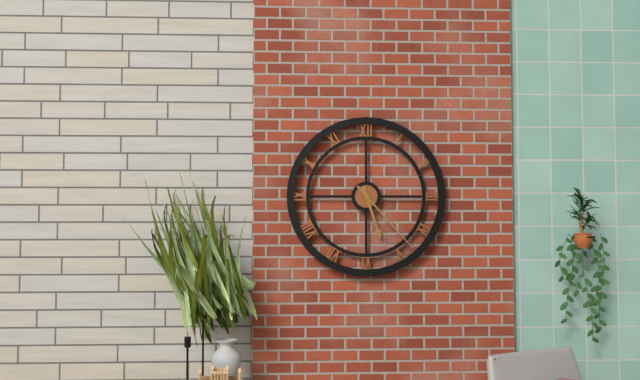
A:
h=5 m=23
